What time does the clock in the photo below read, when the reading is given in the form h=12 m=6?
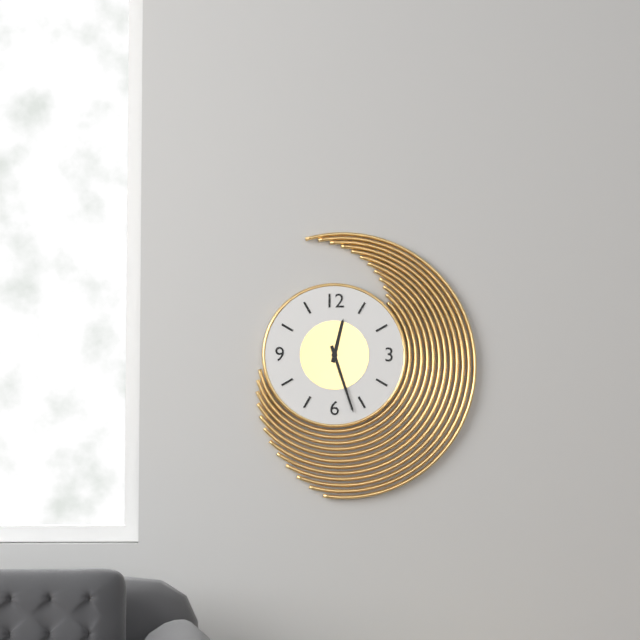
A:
h=12 m=27
